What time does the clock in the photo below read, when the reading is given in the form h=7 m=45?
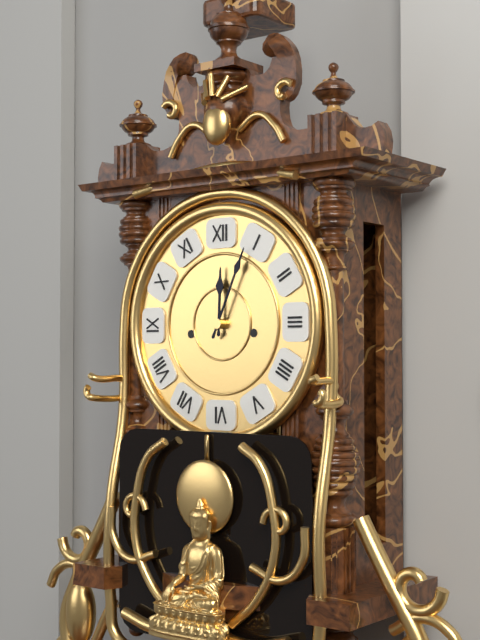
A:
h=12 m=4
